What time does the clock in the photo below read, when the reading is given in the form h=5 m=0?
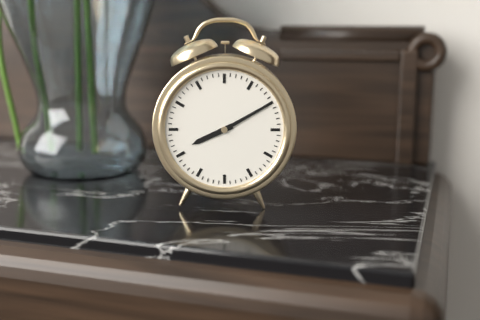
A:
h=8 m=10
